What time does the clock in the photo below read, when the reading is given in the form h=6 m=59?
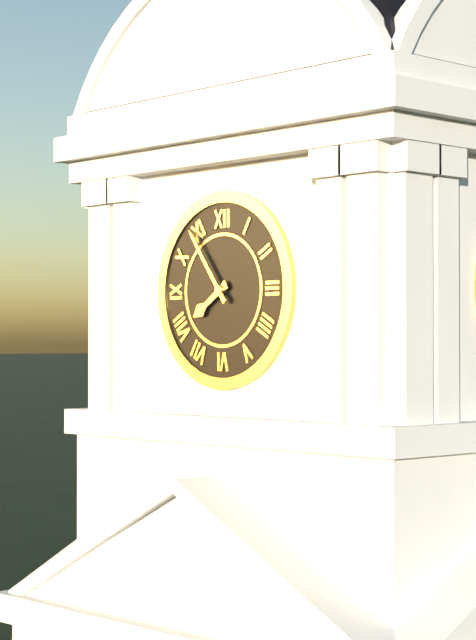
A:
h=7 m=54
